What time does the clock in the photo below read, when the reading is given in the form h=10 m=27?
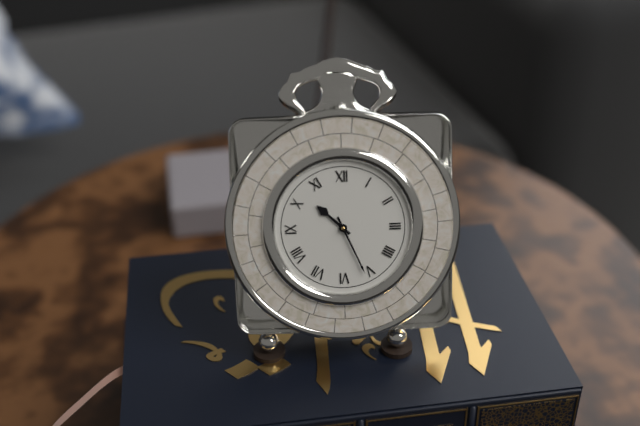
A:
h=10 m=26
